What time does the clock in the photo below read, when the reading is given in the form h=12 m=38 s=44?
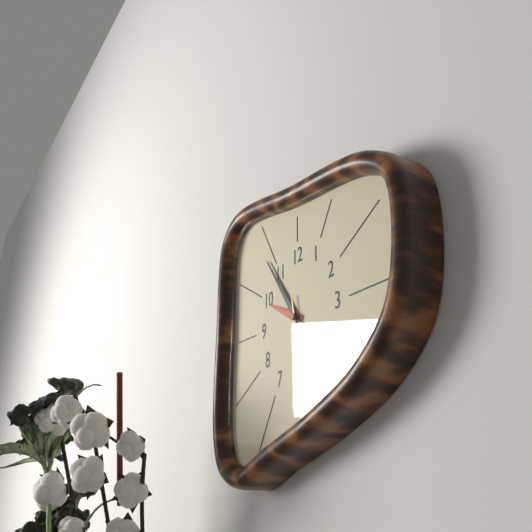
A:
h=9 m=54 s=28
